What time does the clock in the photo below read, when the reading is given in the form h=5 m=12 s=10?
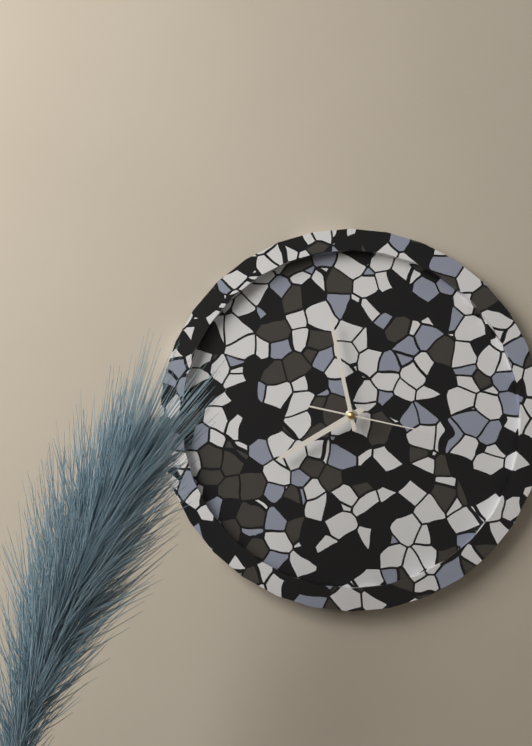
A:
h=7 m=58 s=17
